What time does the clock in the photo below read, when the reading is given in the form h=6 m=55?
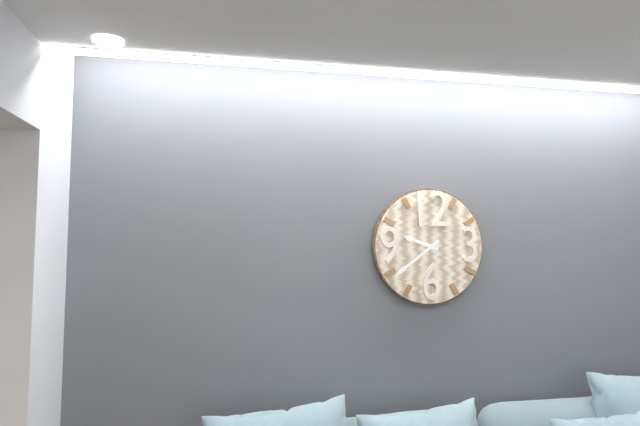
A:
h=9 m=39
